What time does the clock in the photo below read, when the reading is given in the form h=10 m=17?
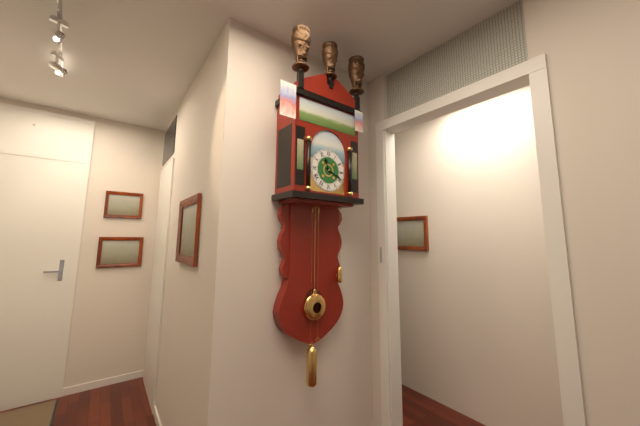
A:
h=11 m=19
